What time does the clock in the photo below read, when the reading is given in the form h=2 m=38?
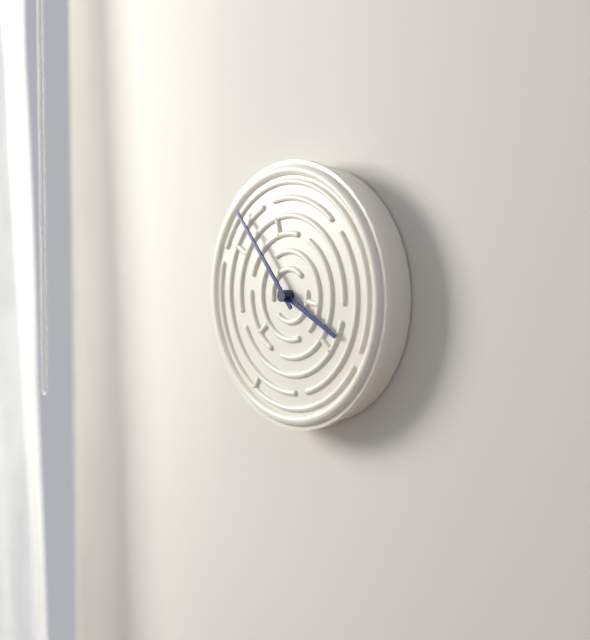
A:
h=3 m=53
